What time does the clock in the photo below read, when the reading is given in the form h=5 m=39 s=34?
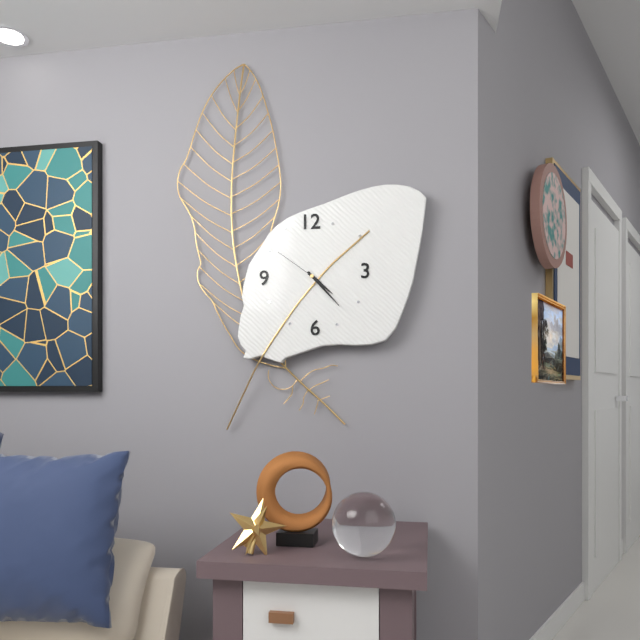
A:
h=4 m=23 s=51
